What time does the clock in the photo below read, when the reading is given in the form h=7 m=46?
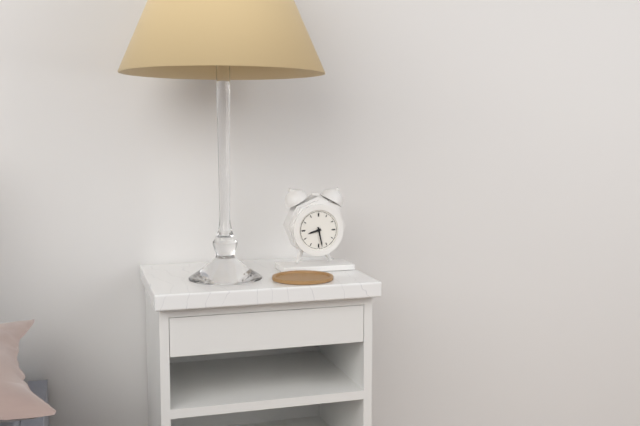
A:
h=8 m=28
